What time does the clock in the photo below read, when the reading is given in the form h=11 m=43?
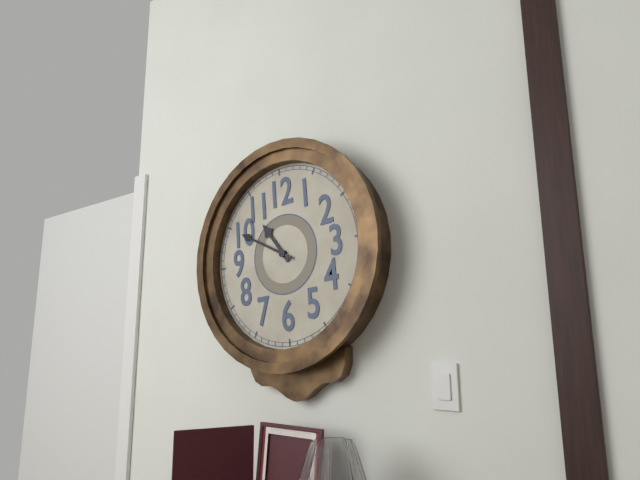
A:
h=10 m=50
